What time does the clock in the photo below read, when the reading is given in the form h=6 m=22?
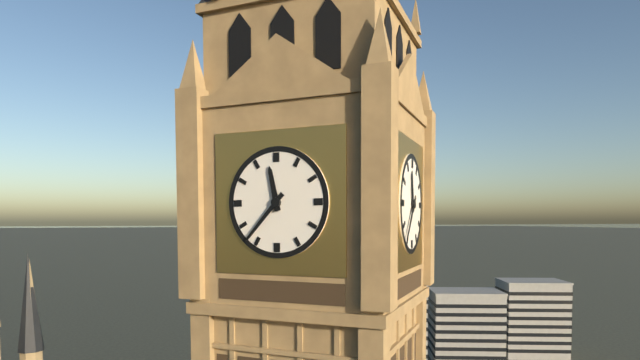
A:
h=11 m=37
